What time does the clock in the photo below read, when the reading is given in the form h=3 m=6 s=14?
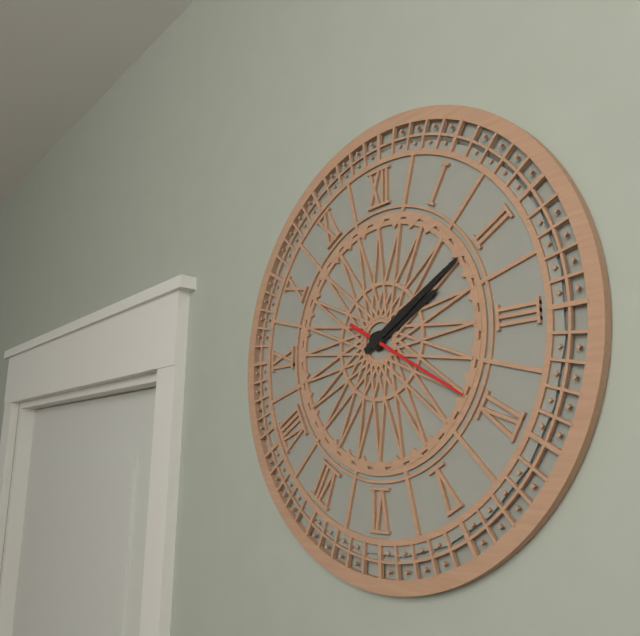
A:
h=2 m=10 s=20
